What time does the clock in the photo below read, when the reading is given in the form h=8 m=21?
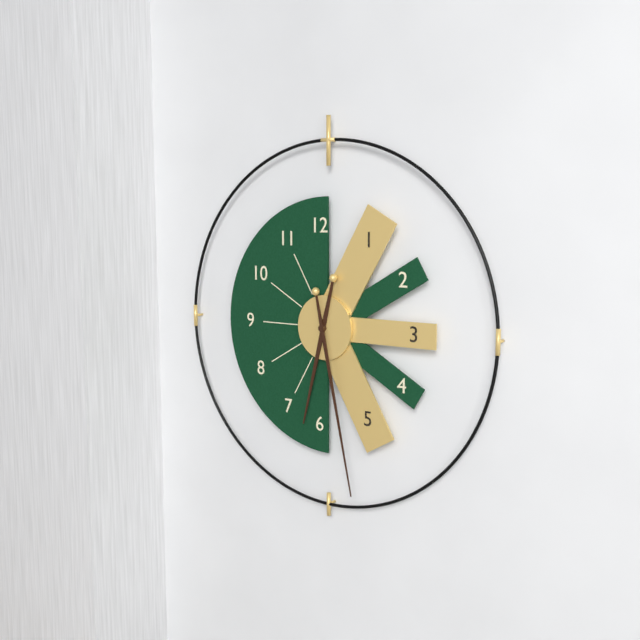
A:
h=6 m=28
